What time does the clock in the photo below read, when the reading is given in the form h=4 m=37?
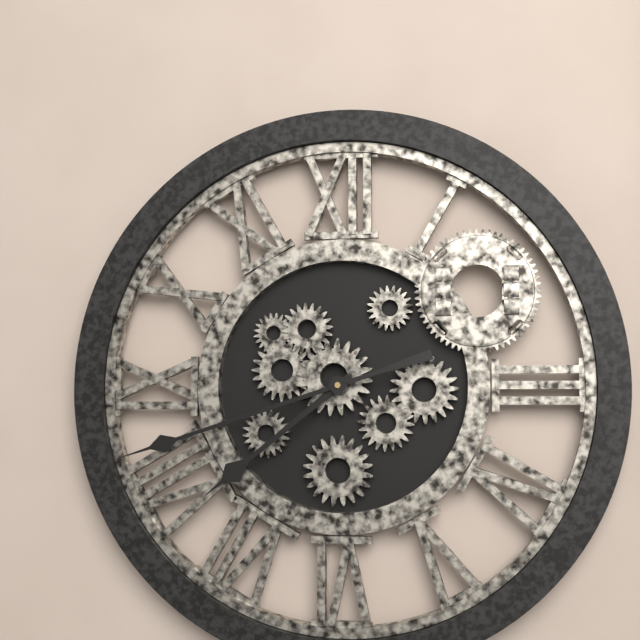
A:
h=7 m=42
